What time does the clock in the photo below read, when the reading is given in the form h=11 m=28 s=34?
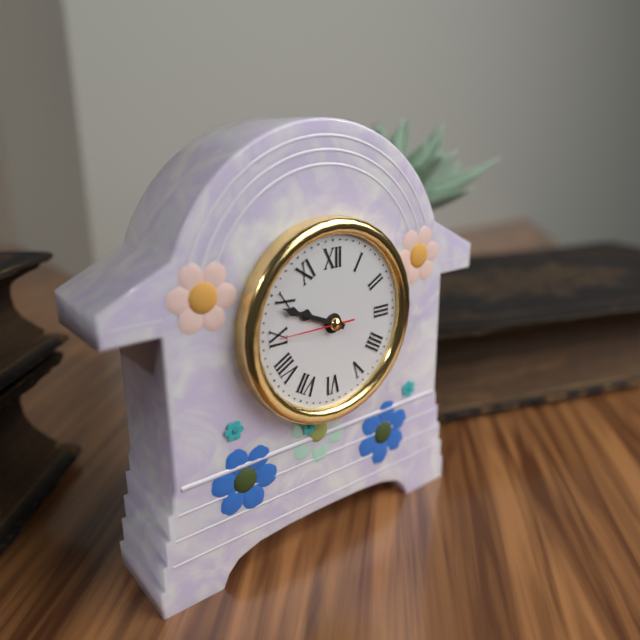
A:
h=9 m=49 s=45
